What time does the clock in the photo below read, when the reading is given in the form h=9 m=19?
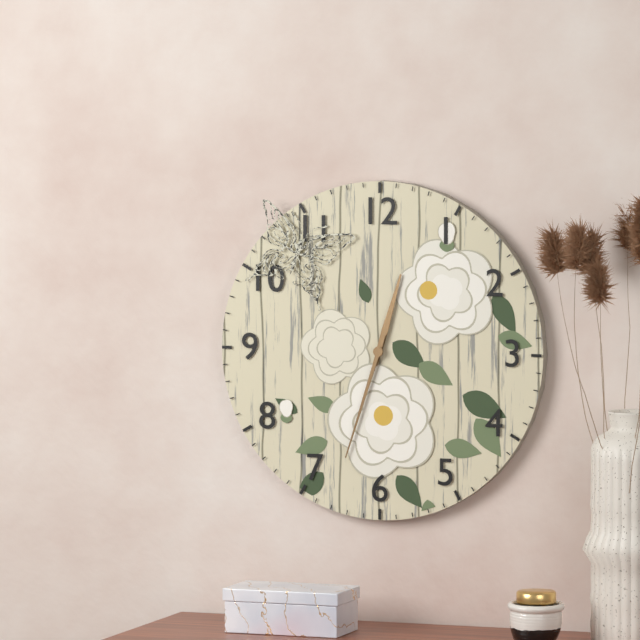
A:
h=12 m=33
